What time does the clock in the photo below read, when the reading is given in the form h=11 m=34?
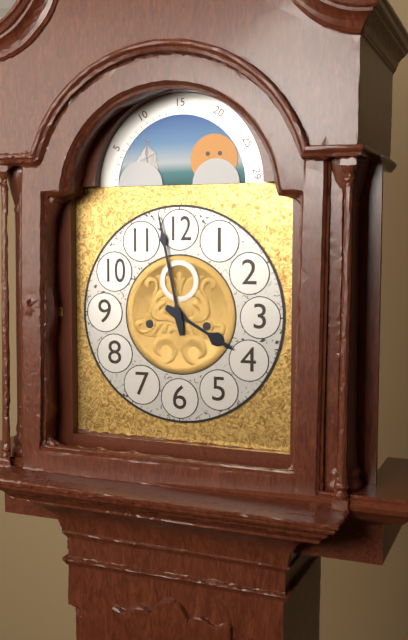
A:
h=3 m=58
